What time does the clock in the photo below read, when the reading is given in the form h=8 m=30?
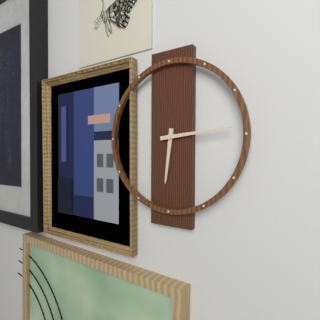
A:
h=6 m=14
